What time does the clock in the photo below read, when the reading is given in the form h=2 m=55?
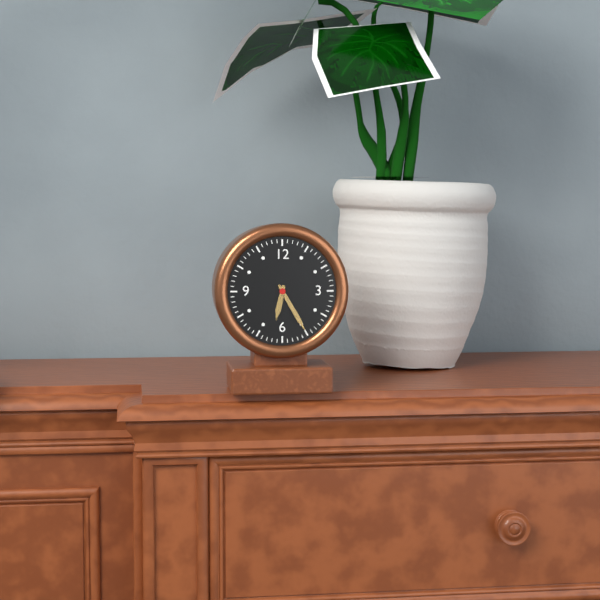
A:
h=6 m=25
